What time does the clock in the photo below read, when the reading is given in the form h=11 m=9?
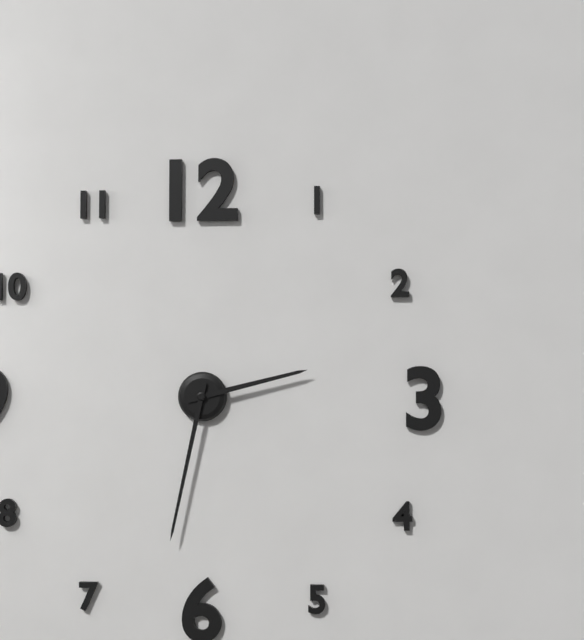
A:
h=2 m=32
